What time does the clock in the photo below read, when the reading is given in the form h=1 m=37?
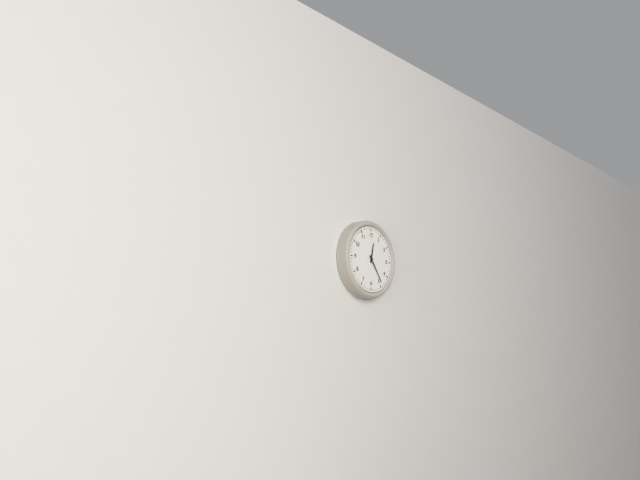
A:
h=12 m=24
